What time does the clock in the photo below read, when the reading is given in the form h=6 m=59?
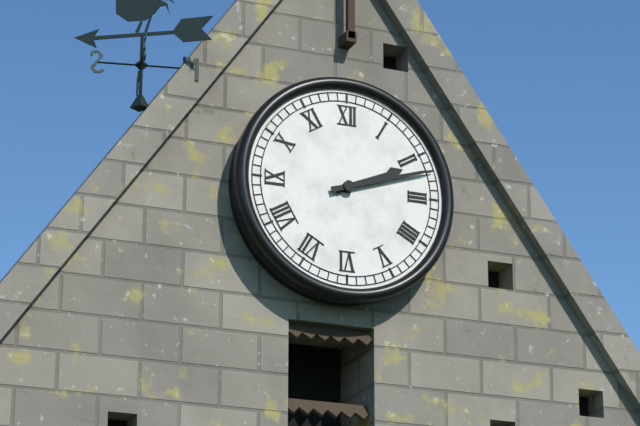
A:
h=2 m=12
